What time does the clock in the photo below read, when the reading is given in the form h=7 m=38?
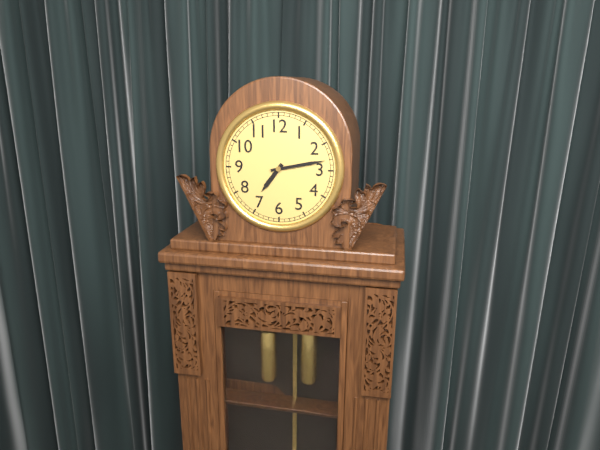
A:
h=7 m=13
